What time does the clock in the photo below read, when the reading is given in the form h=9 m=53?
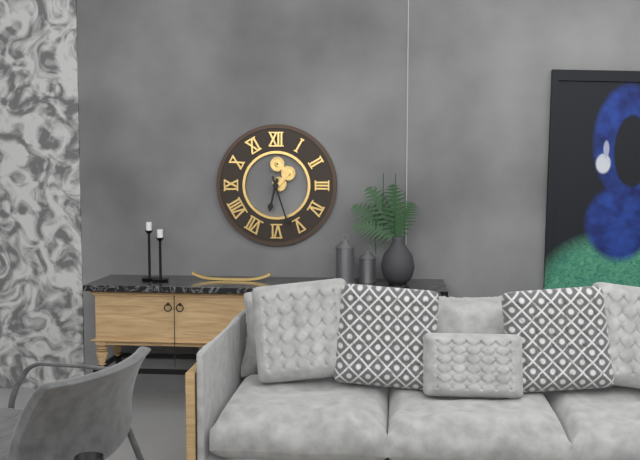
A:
h=6 m=27
